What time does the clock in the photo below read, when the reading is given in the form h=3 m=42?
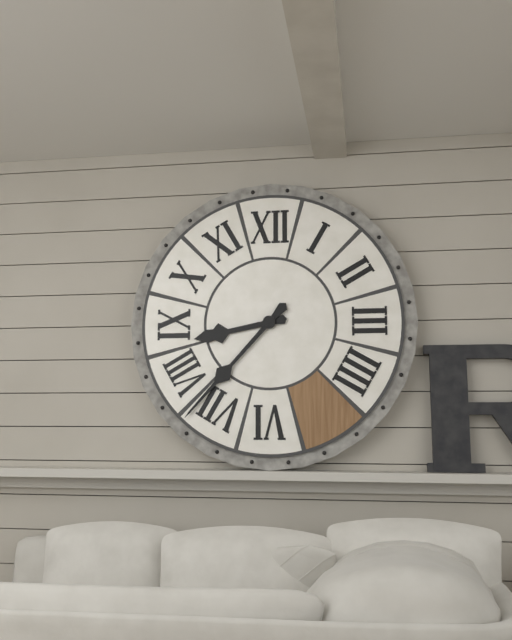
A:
h=8 m=37
